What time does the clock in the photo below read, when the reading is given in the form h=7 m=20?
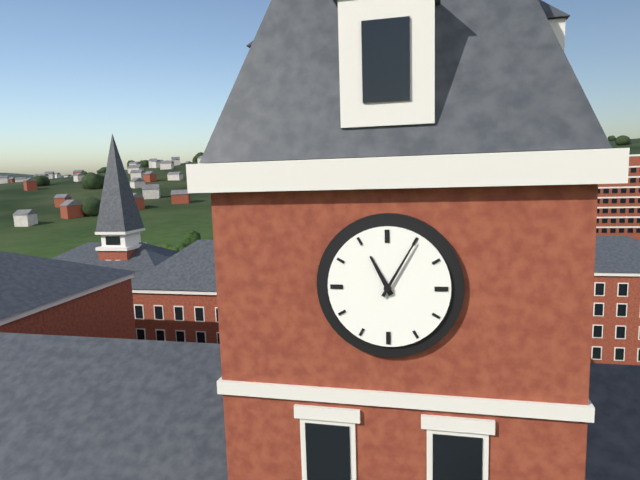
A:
h=11 m=5
